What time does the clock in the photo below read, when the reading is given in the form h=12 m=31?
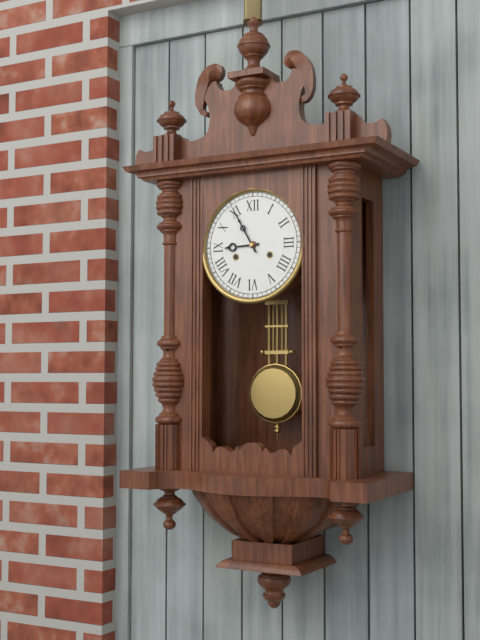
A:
h=8 m=55
